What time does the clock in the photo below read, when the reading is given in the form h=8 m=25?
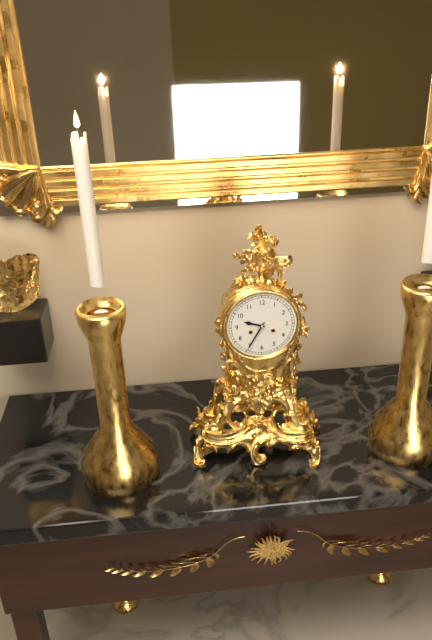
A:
h=9 m=35
